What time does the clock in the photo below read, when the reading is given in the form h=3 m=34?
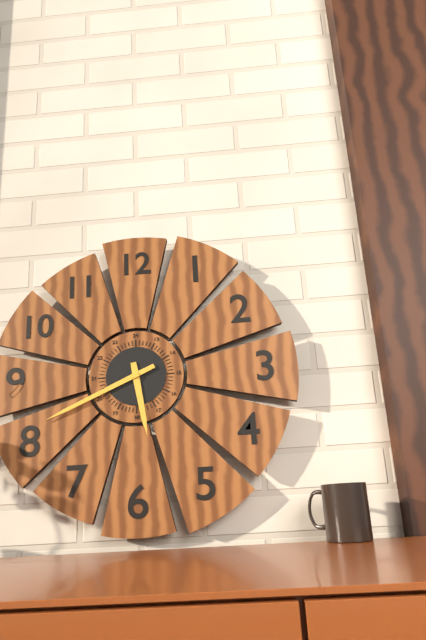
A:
h=5 m=41
